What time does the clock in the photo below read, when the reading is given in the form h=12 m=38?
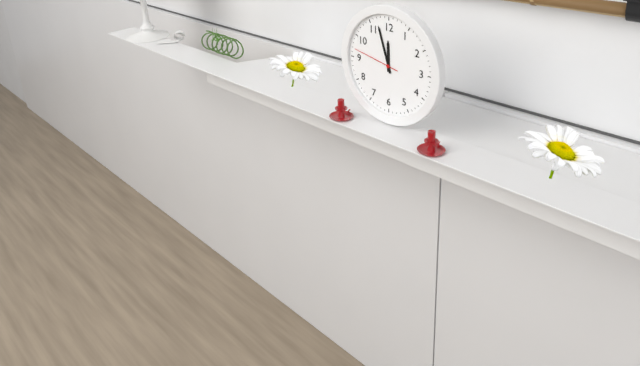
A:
h=11 m=57
